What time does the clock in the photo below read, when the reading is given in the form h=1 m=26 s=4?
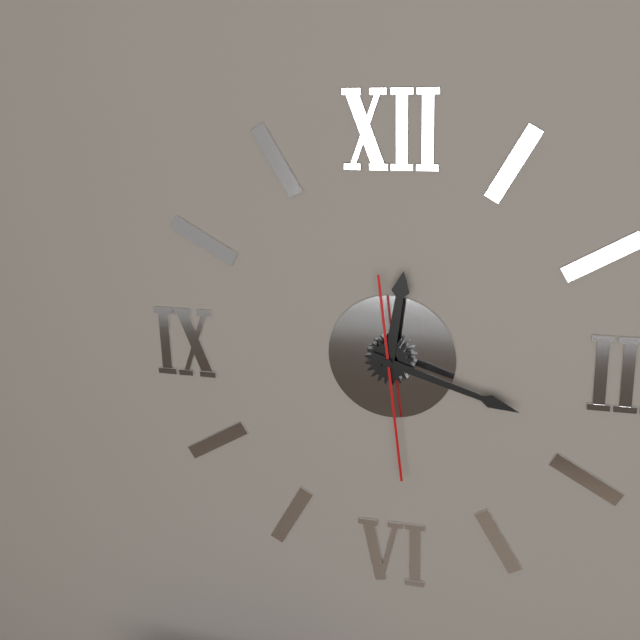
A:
h=12 m=18 s=29
